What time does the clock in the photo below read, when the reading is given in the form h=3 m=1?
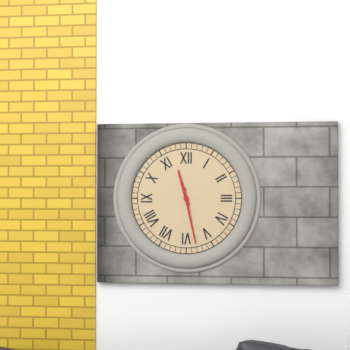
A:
h=11 m=28
